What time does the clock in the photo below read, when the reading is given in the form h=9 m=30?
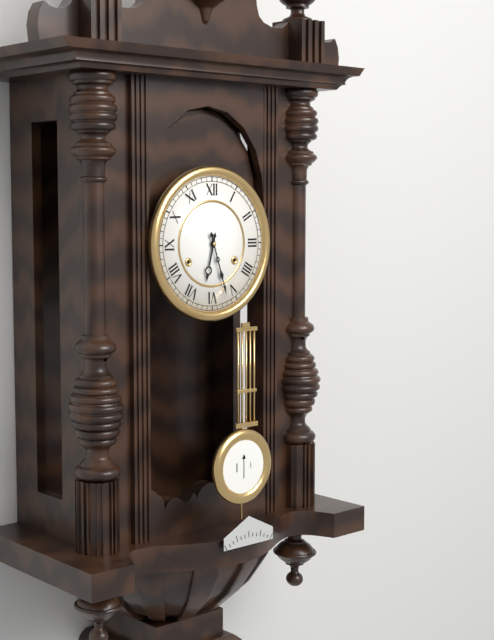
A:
h=6 m=27
